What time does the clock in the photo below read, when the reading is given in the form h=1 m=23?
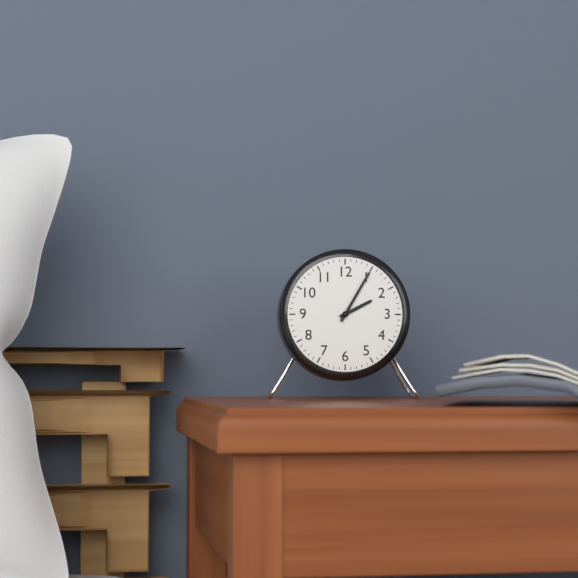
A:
h=2 m=5
